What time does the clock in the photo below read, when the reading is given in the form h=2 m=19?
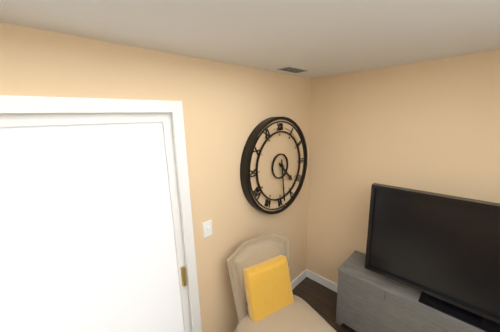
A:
h=4 m=29
